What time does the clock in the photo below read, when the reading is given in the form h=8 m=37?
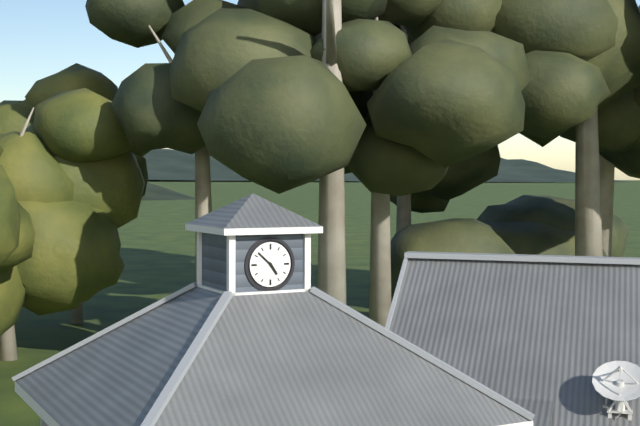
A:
h=4 m=52
